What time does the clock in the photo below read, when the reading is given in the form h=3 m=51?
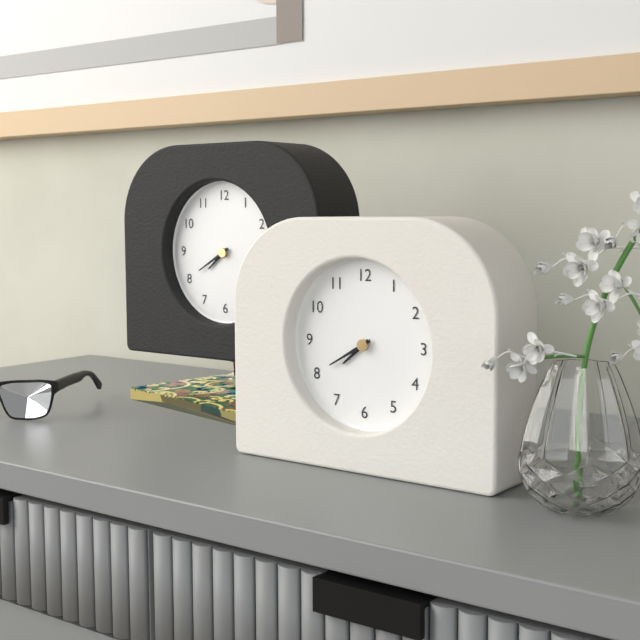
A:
h=7 m=40
